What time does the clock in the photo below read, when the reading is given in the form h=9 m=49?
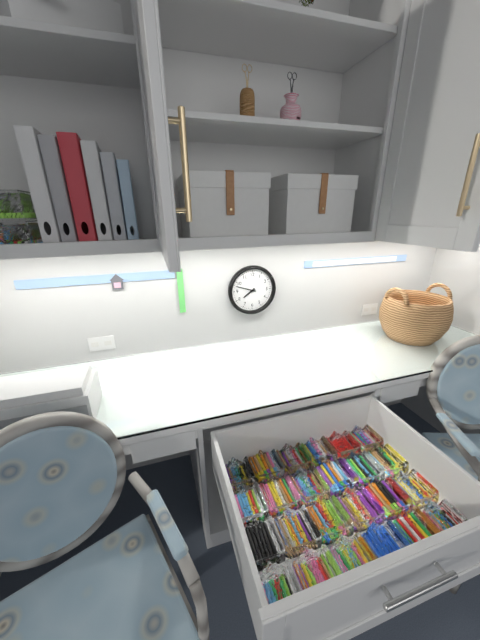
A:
h=7 m=48
